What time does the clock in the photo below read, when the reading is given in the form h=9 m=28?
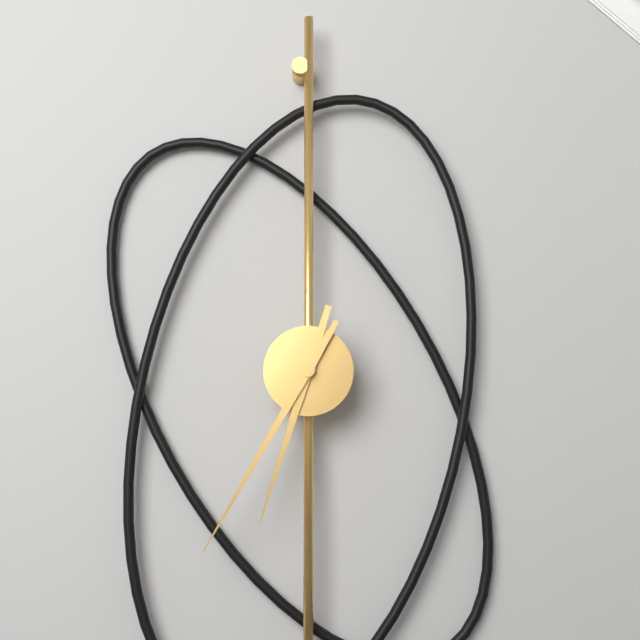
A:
h=6 m=35
